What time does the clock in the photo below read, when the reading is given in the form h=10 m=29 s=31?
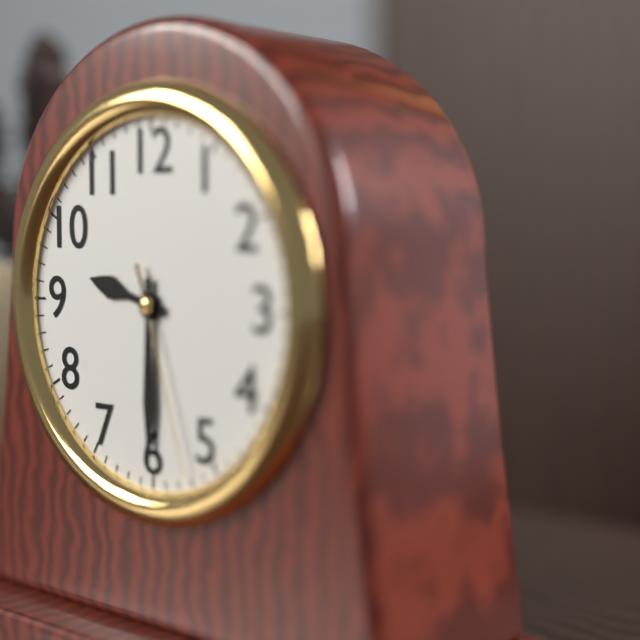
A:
h=9 m=30 s=27
